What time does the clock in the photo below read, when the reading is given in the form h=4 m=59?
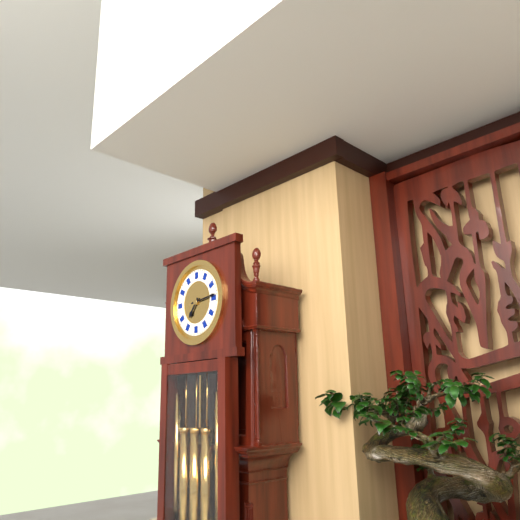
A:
h=7 m=14
